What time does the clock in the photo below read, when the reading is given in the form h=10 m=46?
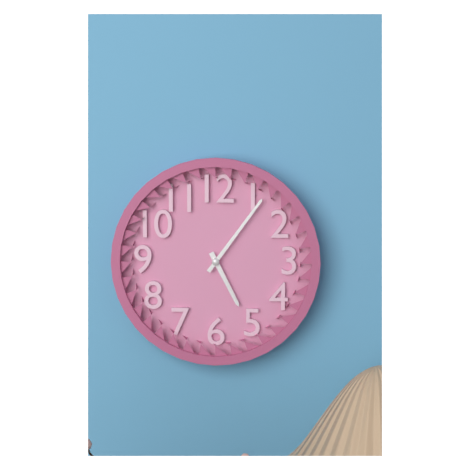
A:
h=5 m=6
